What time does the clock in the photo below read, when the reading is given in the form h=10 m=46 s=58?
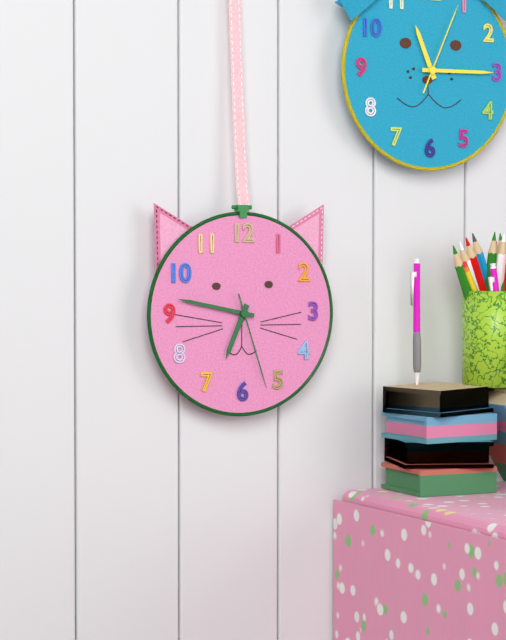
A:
h=6 m=47 s=27
